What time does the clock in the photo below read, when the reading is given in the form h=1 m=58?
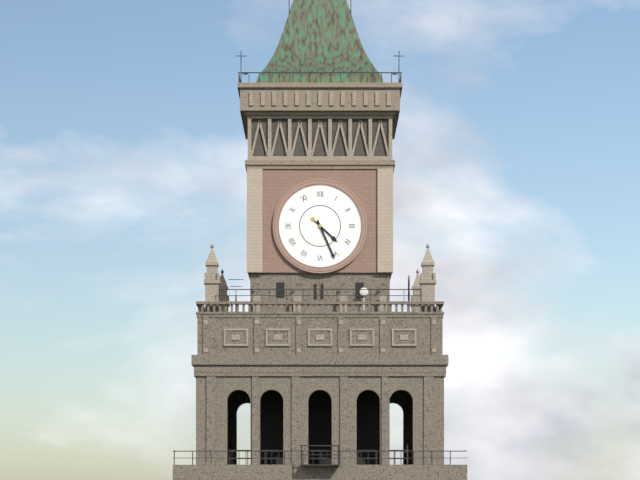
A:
h=4 m=26
